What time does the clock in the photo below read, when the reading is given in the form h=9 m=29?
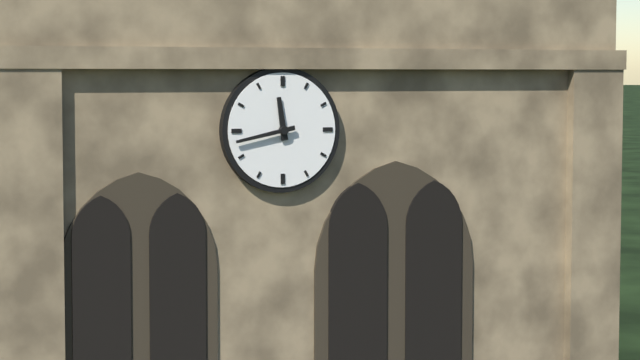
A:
h=11 m=43
